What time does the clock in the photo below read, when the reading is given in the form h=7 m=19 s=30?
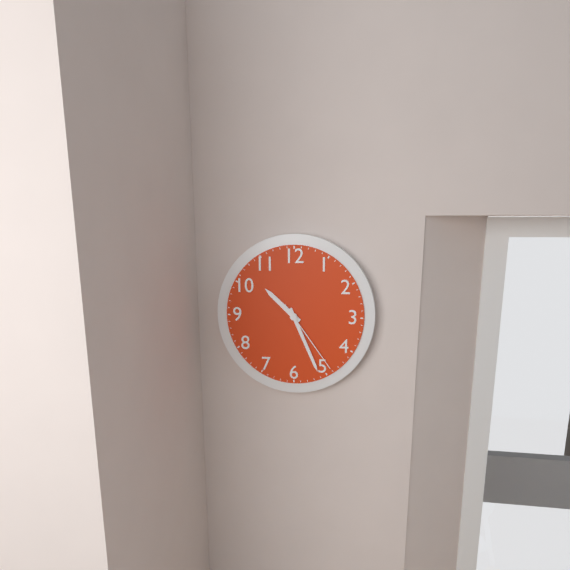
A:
h=10 m=26 s=24
